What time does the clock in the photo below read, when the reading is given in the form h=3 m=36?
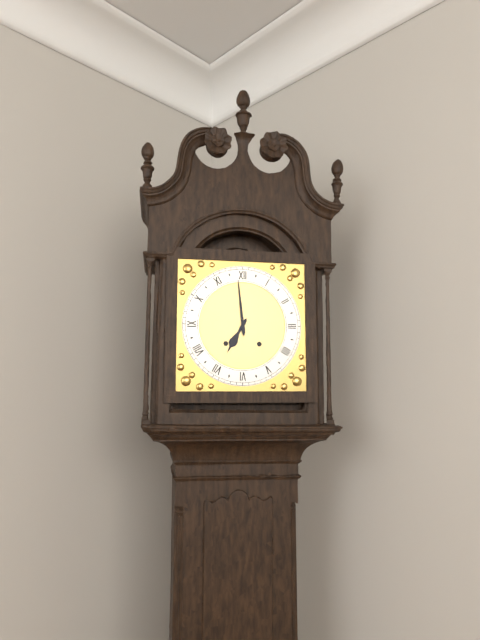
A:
h=6 m=59
